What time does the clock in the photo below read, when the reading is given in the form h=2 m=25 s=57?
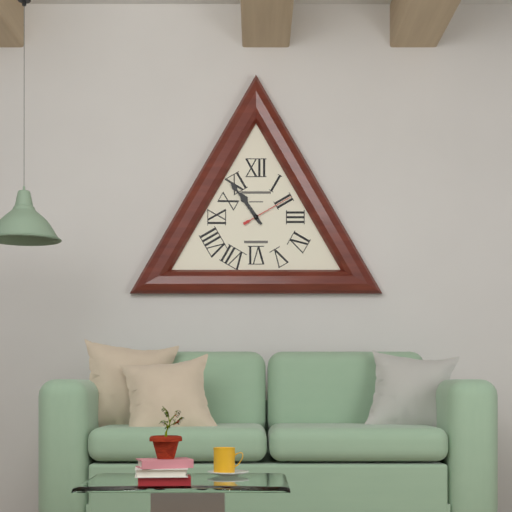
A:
h=10 m=54 s=10
